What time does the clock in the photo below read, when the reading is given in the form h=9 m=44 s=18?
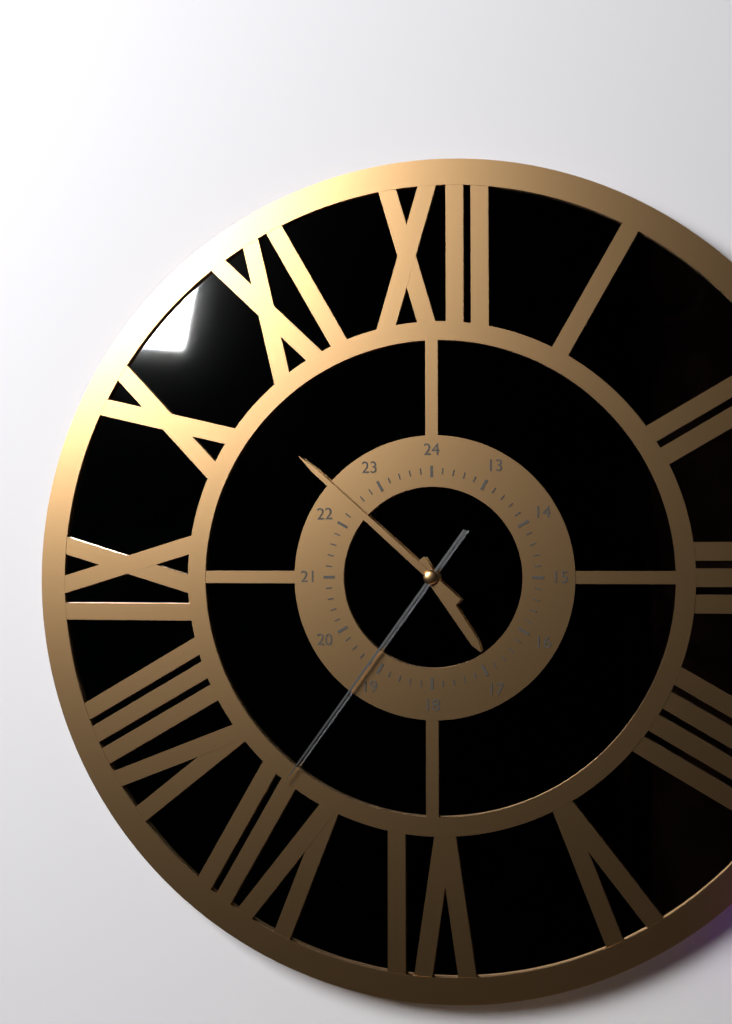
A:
h=4 m=52 s=36
